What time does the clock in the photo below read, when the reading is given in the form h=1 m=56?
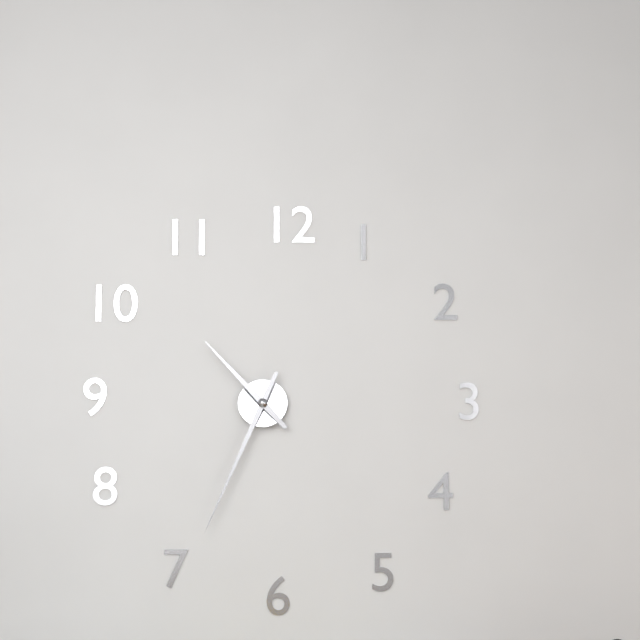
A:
h=10 m=34
